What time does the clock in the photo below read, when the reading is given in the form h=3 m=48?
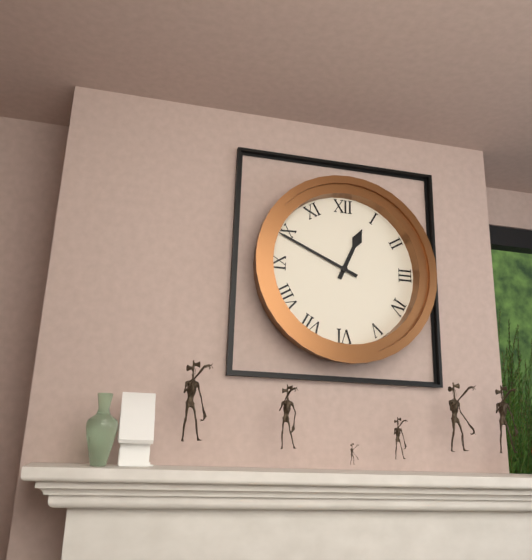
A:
h=12 m=49
